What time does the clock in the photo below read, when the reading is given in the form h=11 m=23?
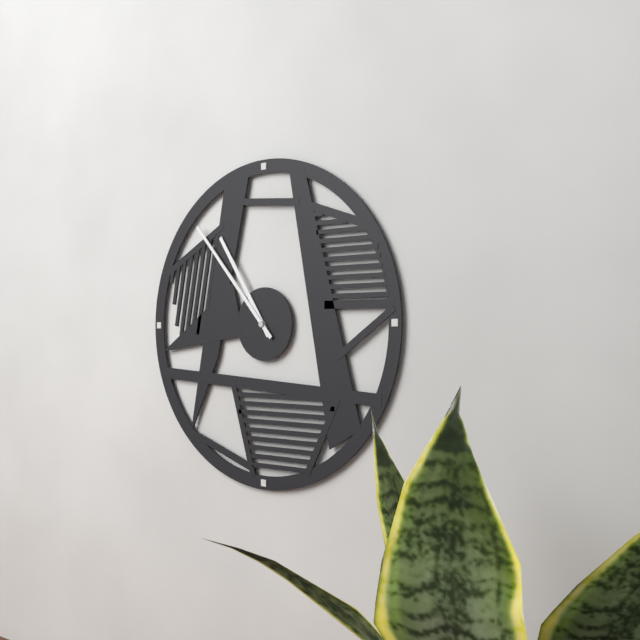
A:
h=10 m=53
